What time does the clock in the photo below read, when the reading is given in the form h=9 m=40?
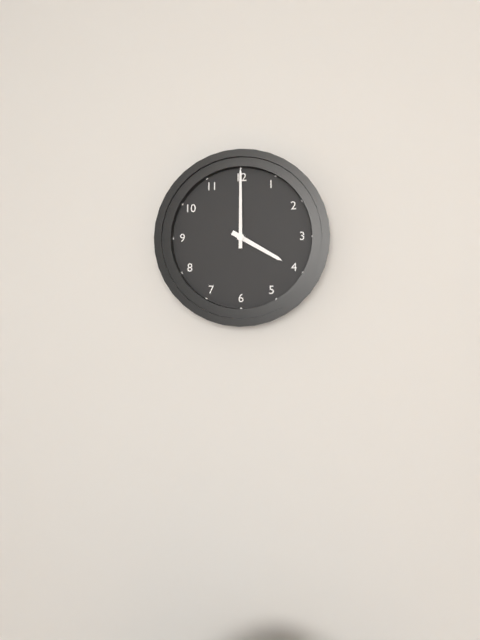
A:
h=4 m=0
